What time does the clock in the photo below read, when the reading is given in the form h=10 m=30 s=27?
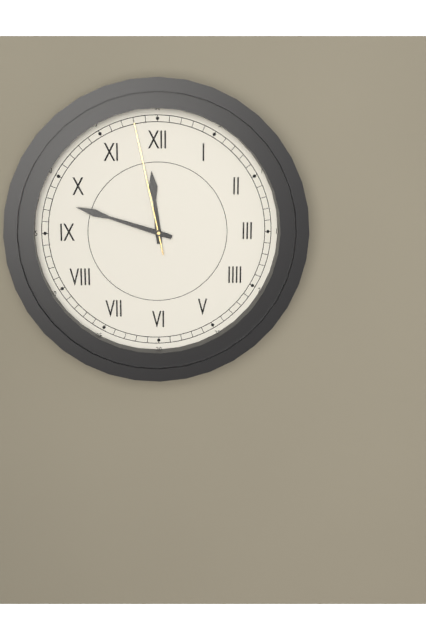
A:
h=11 m=48 s=58
